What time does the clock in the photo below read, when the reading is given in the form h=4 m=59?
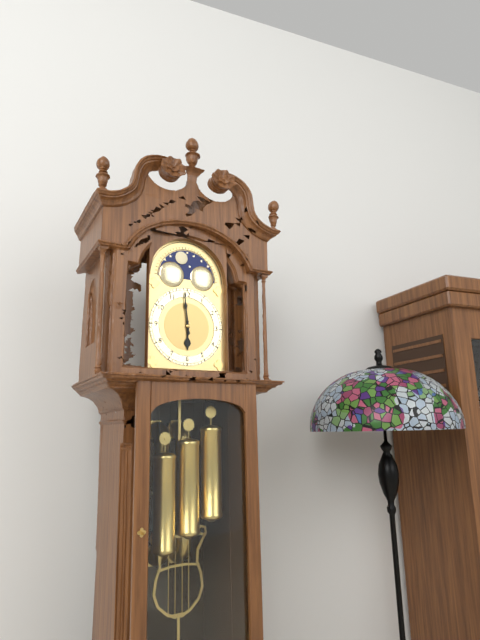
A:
h=5 m=59
